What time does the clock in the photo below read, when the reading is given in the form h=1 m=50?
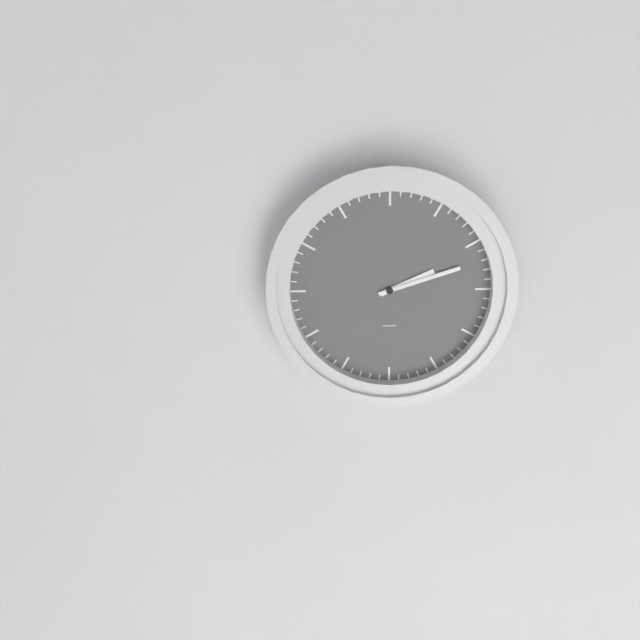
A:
h=2 m=12
